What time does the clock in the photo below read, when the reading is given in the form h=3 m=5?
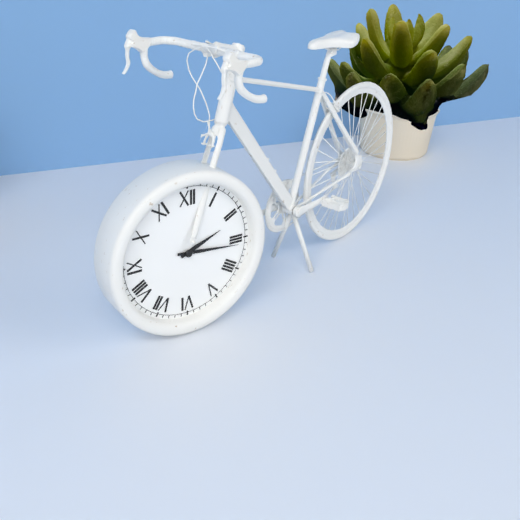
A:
h=2 m=16
